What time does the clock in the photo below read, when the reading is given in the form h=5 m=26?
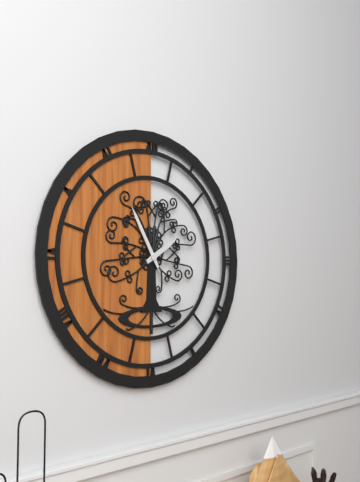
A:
h=1 m=55
